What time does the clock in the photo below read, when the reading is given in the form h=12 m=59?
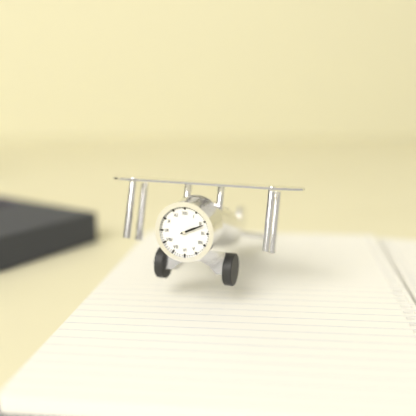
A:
h=2 m=11
